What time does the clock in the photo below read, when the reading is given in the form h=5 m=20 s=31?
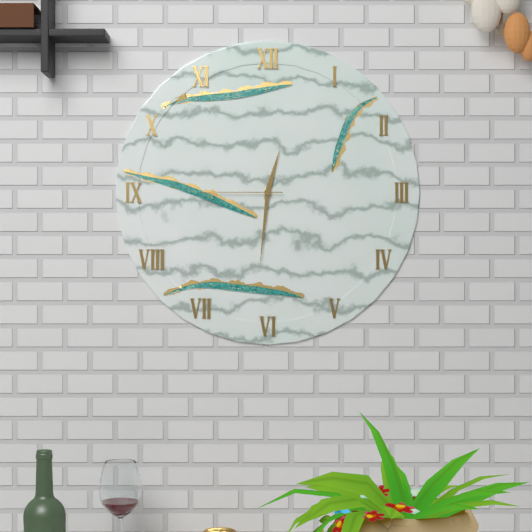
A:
h=12 m=31 s=45
